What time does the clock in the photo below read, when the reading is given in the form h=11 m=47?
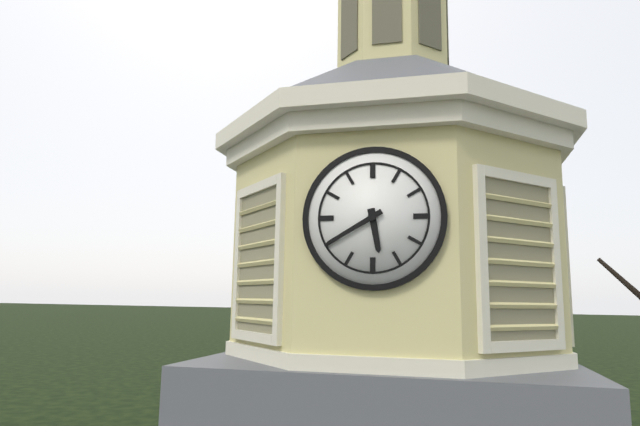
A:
h=5 m=40
